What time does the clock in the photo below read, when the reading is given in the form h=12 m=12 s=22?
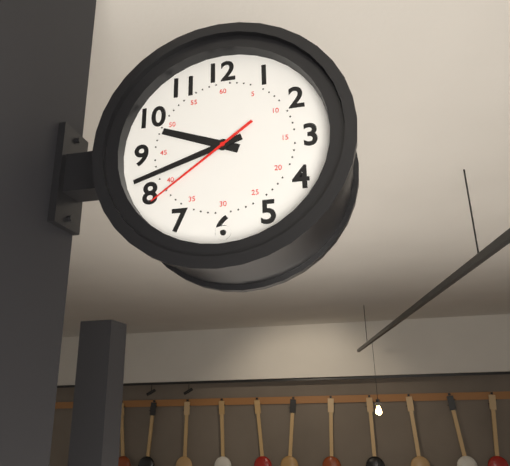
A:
h=9 m=42 s=39
